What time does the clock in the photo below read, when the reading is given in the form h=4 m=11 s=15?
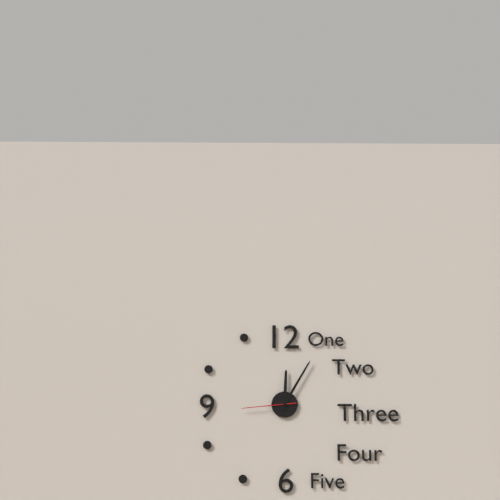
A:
h=12 m=5 s=44
